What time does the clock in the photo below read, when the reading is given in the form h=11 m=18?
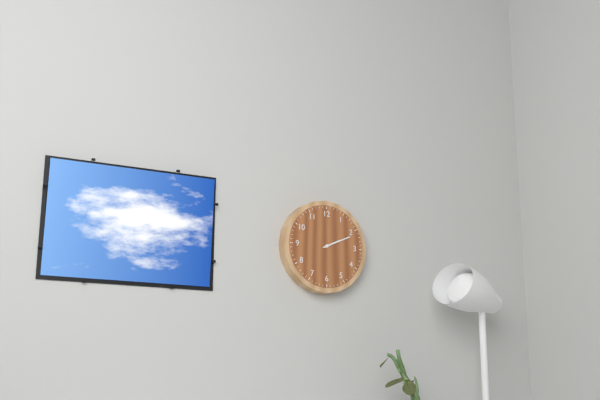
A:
h=2 m=11
